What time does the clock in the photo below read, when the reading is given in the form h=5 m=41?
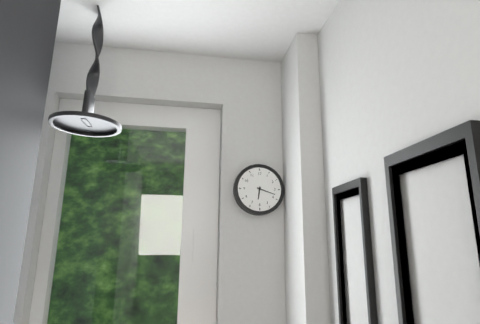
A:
h=6 m=18
